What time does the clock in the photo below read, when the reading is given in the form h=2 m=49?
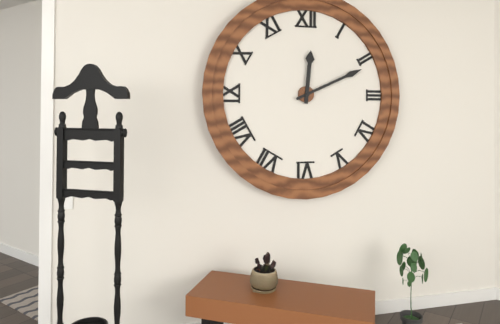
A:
h=12 m=11
